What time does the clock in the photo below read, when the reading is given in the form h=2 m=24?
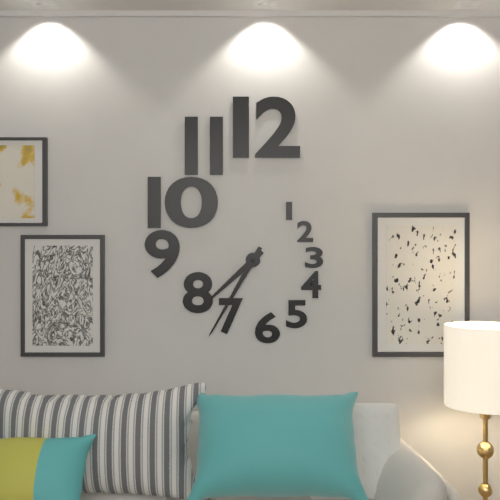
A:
h=7 m=35
